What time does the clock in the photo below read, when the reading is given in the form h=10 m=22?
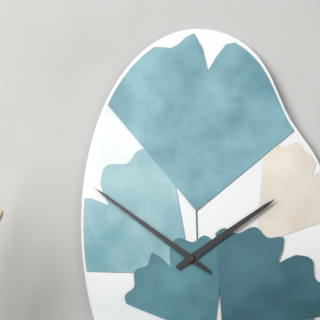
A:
h=1 m=51
